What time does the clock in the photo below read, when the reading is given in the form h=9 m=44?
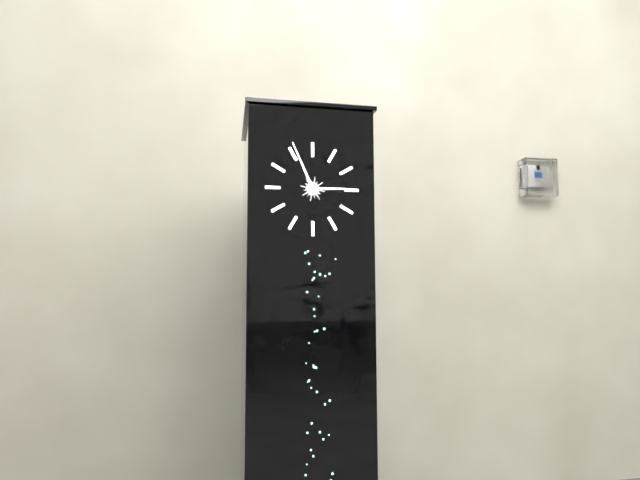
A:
h=2 m=56
